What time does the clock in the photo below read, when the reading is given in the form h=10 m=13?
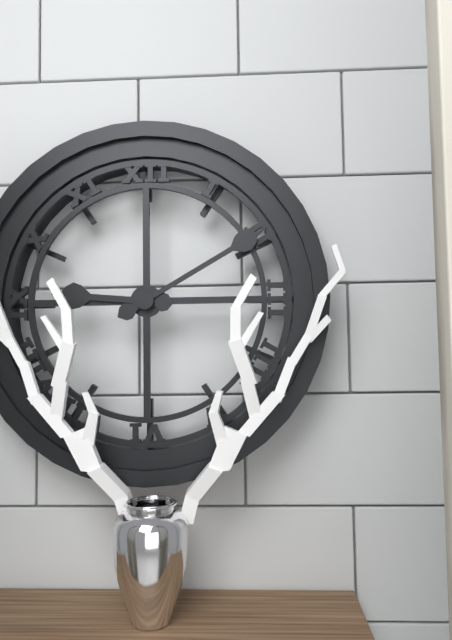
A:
h=9 m=10
